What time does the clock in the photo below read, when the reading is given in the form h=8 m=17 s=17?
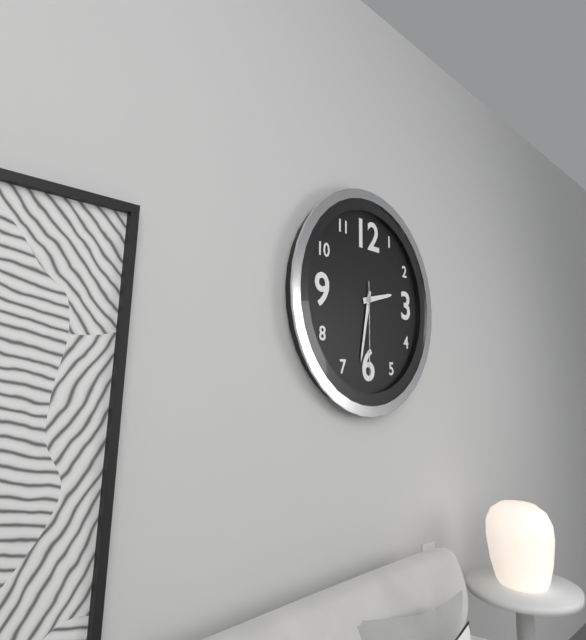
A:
h=2 m=32 s=30
